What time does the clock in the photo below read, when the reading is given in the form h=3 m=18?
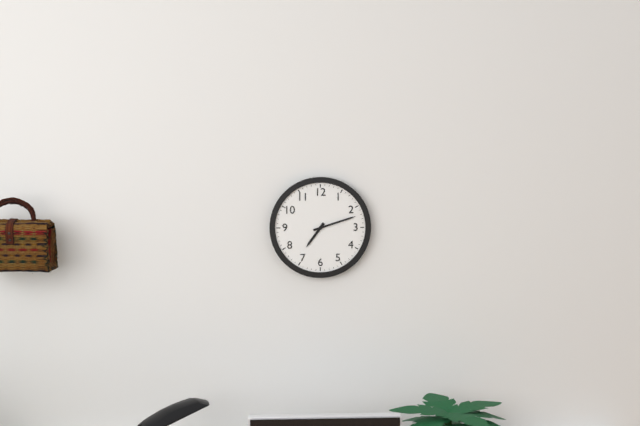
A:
h=7 m=12
